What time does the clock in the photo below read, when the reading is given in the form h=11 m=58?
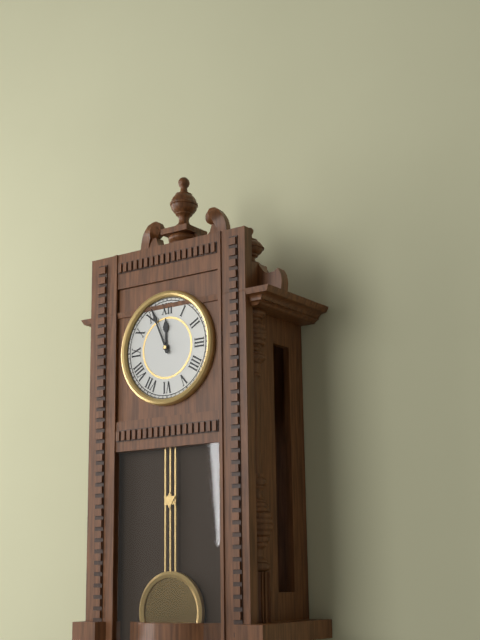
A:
h=11 m=56
